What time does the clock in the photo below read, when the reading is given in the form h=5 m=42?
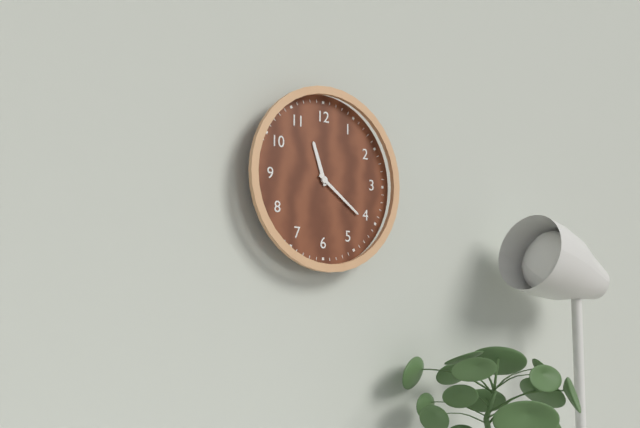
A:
h=11 m=21
